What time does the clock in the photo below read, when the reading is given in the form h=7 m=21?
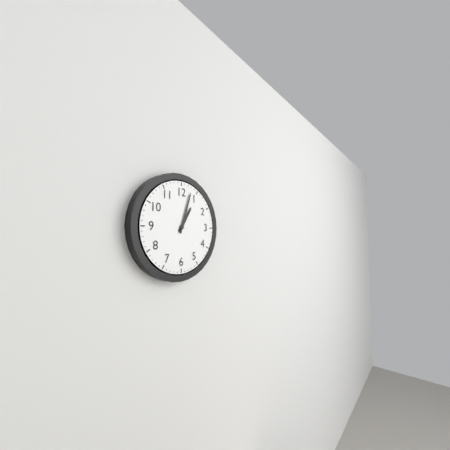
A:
h=1 m=3
